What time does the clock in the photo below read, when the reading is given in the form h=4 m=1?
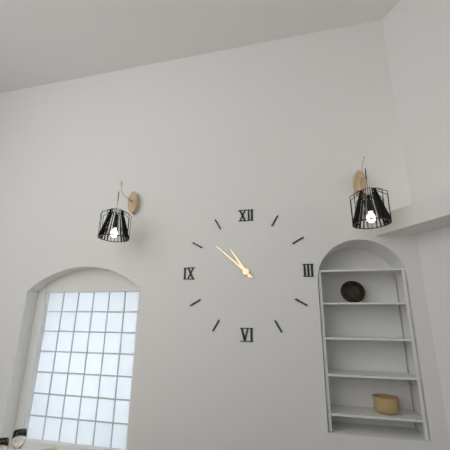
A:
h=10 m=52
